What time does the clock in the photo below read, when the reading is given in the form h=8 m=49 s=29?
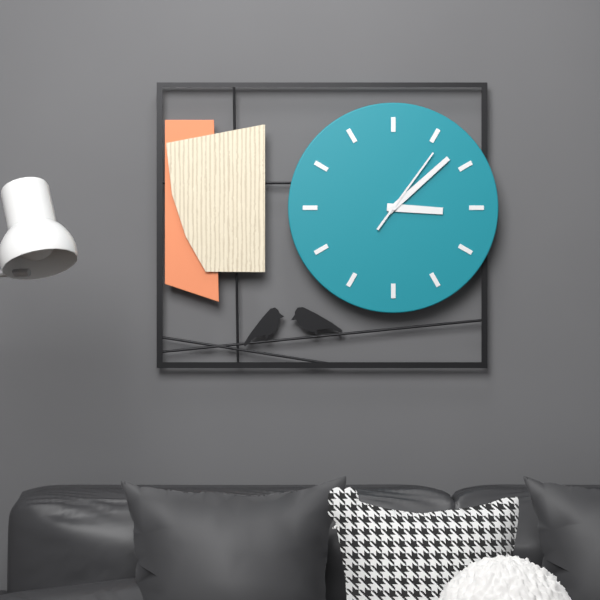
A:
h=3 m=8 s=6
